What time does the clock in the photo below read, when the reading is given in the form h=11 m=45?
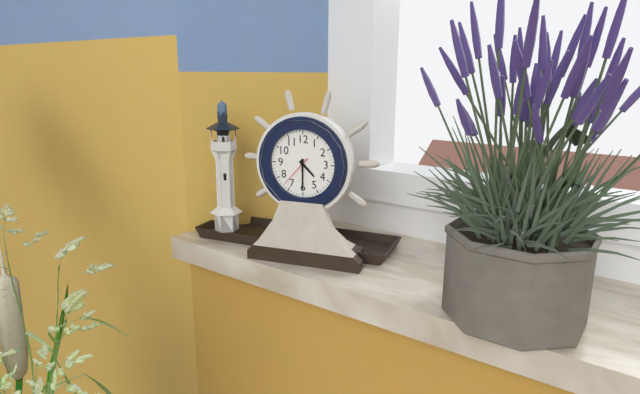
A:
h=4 m=30
